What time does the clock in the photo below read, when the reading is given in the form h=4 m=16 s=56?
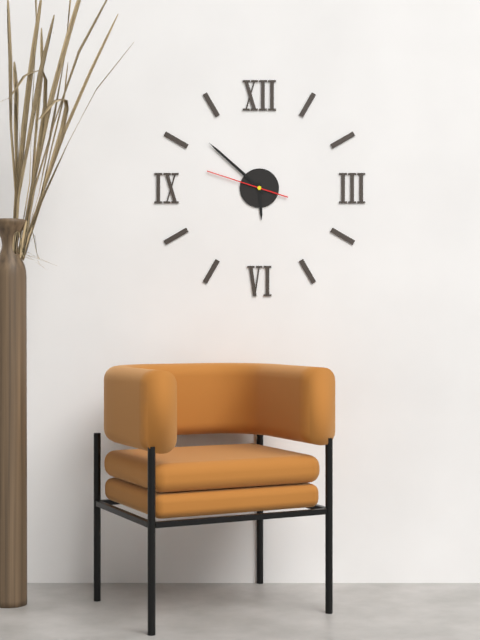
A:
h=5 m=52 s=48
